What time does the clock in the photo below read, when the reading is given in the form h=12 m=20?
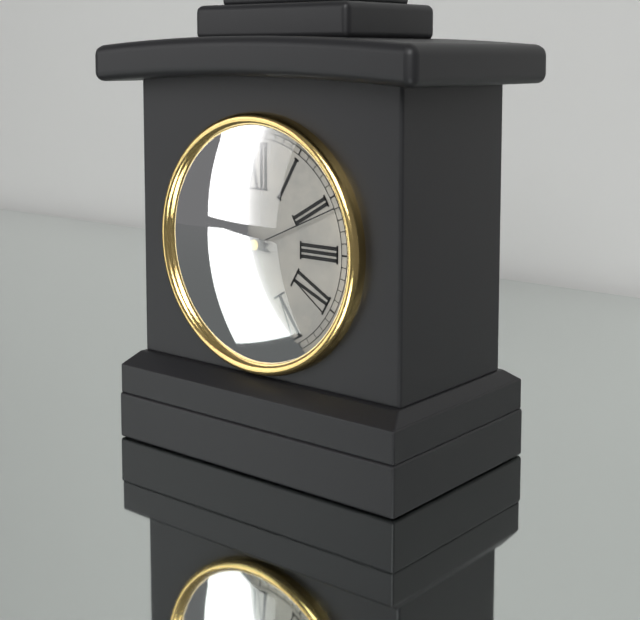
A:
h=8 m=48
